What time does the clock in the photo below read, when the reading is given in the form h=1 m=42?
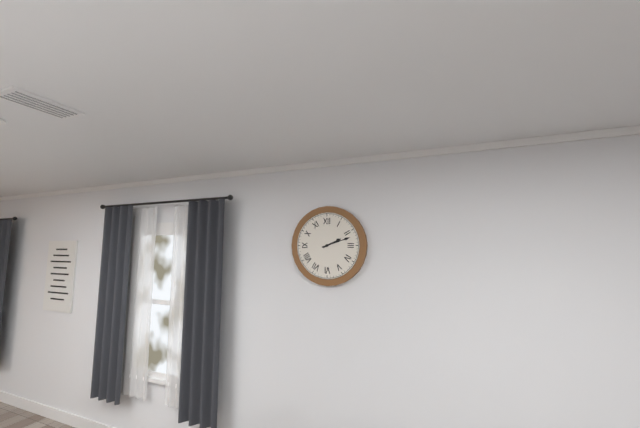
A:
h=2 m=12
